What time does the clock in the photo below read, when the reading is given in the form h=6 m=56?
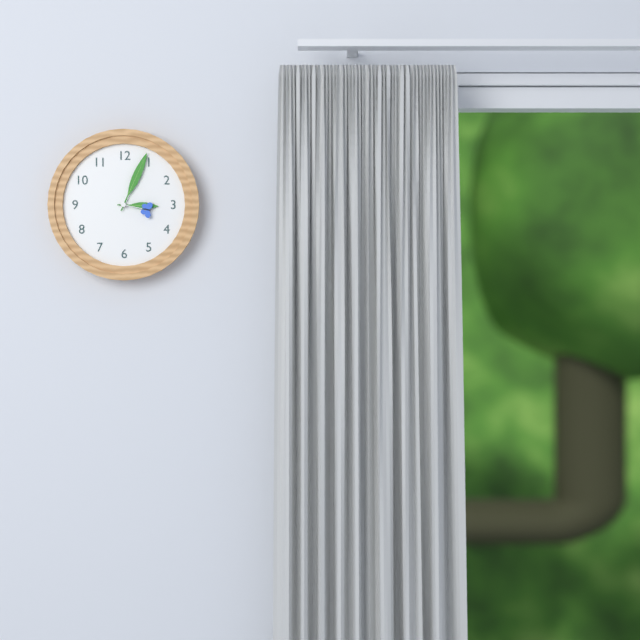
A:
h=3 m=4
